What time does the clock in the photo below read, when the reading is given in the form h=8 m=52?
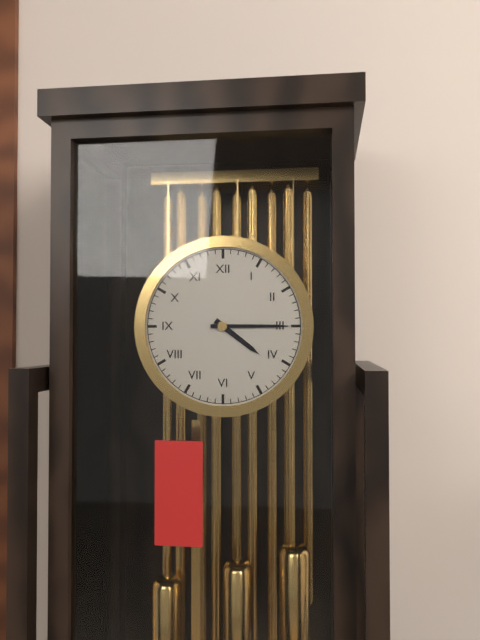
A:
h=4 m=15
